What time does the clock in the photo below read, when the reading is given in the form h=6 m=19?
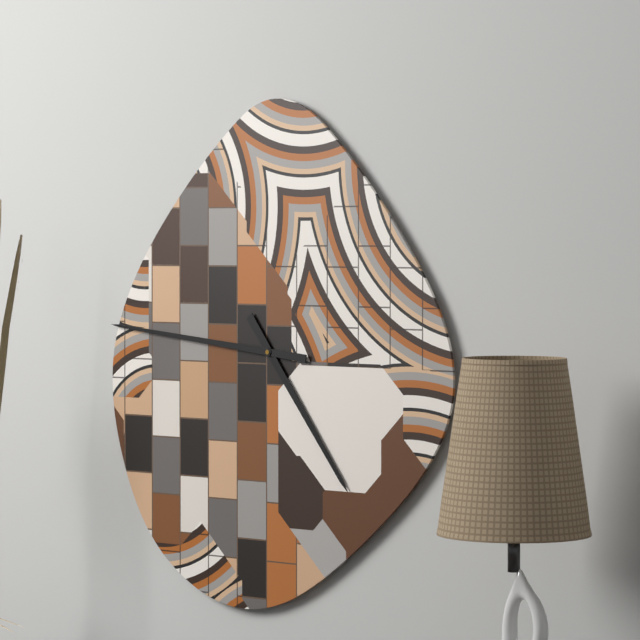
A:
h=4 m=46
